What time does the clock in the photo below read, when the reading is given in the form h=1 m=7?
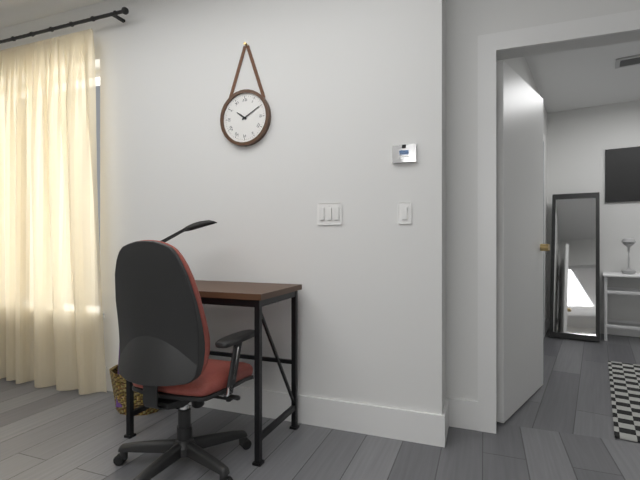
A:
h=10 m=10
